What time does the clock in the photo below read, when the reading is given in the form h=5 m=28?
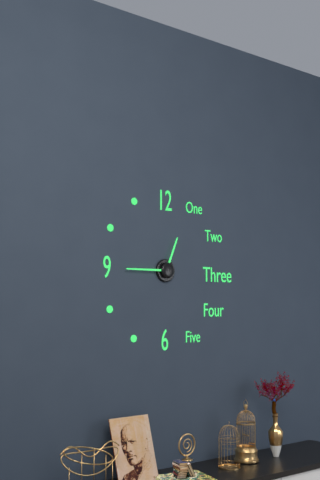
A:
h=12 m=45
